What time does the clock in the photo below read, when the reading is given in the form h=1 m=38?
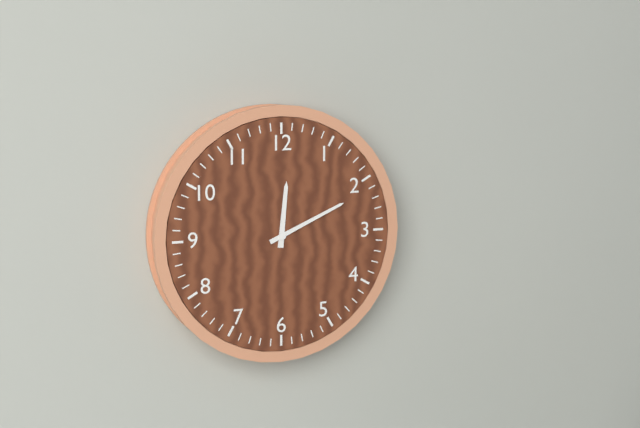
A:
h=12 m=11
